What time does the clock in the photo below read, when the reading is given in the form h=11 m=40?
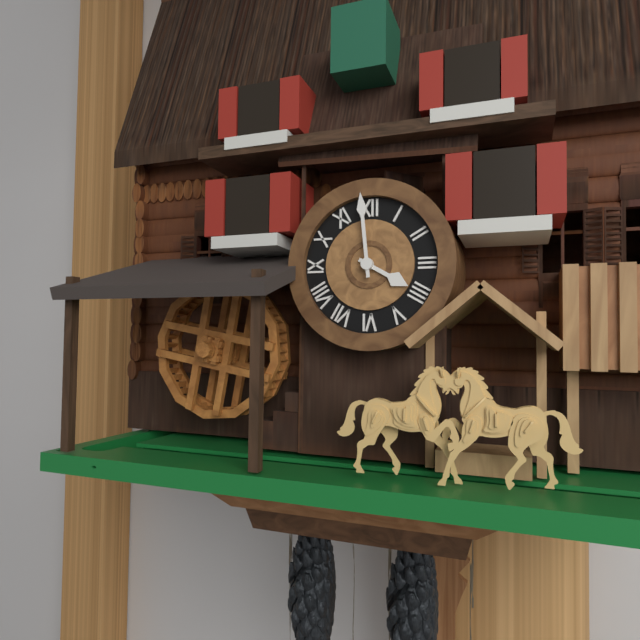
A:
h=3 m=59
